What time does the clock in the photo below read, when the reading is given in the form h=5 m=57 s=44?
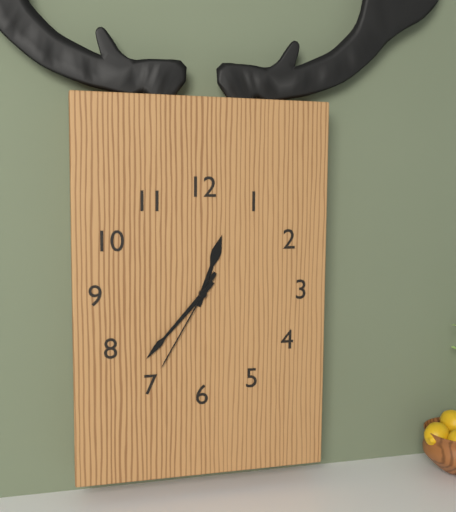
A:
h=12 m=37 s=35
